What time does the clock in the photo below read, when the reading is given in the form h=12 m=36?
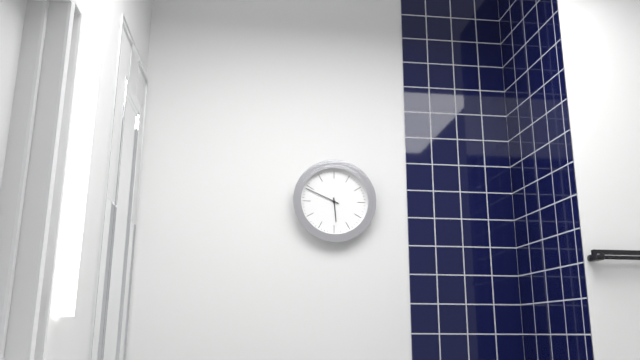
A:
h=5 m=49
